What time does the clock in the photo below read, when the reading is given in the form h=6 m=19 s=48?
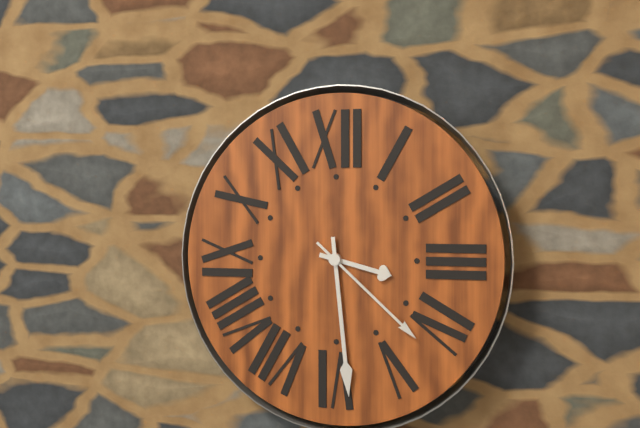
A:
h=3 m=29 s=22
